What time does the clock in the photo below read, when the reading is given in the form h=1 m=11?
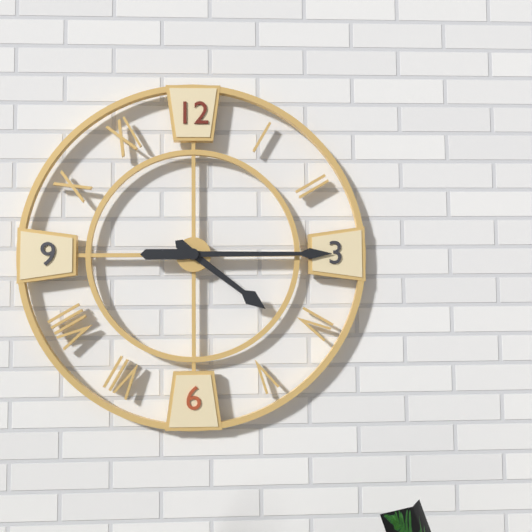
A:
h=4 m=15
